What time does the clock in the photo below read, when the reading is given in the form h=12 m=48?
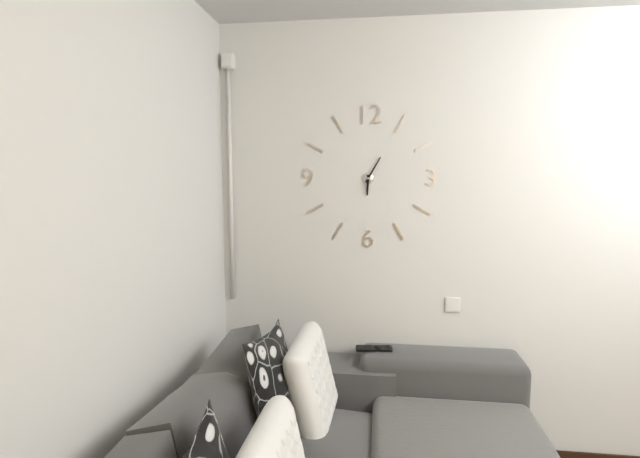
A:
h=6 m=5
